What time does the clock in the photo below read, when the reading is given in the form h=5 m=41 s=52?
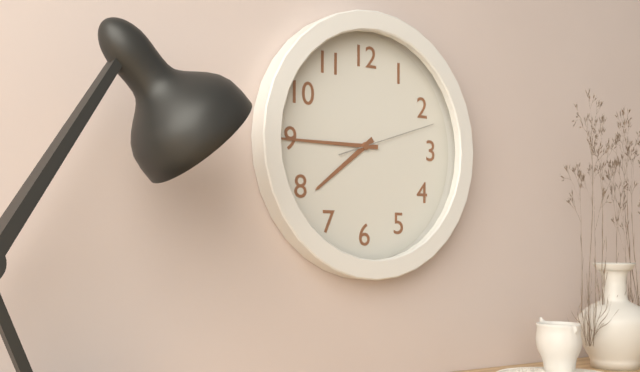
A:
h=7 m=45 s=12
